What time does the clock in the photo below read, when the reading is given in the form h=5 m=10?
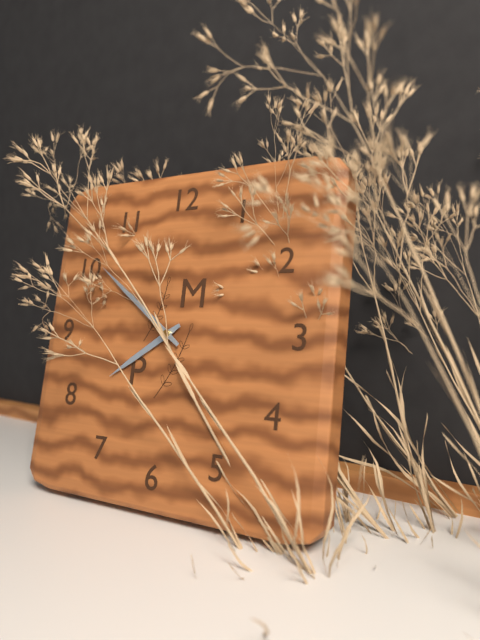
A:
h=7 m=51
